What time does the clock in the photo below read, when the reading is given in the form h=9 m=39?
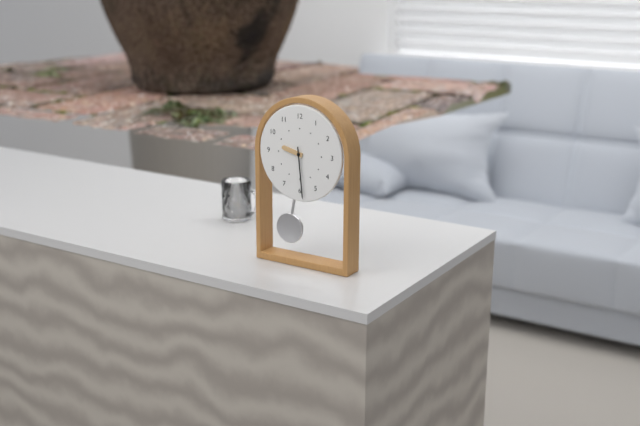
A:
h=9 m=29
